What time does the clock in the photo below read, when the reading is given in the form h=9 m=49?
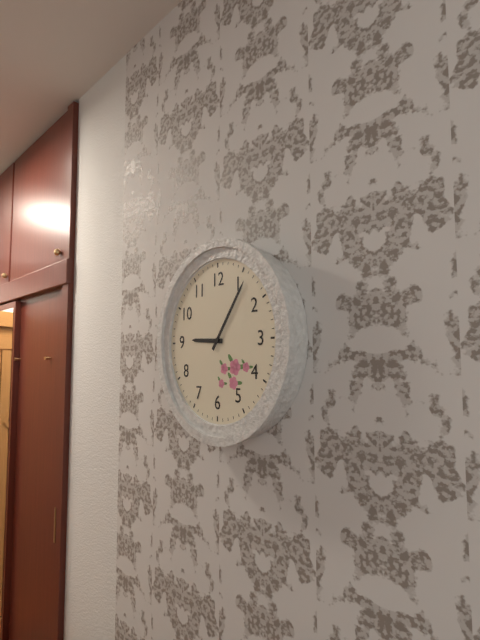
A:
h=9 m=6
